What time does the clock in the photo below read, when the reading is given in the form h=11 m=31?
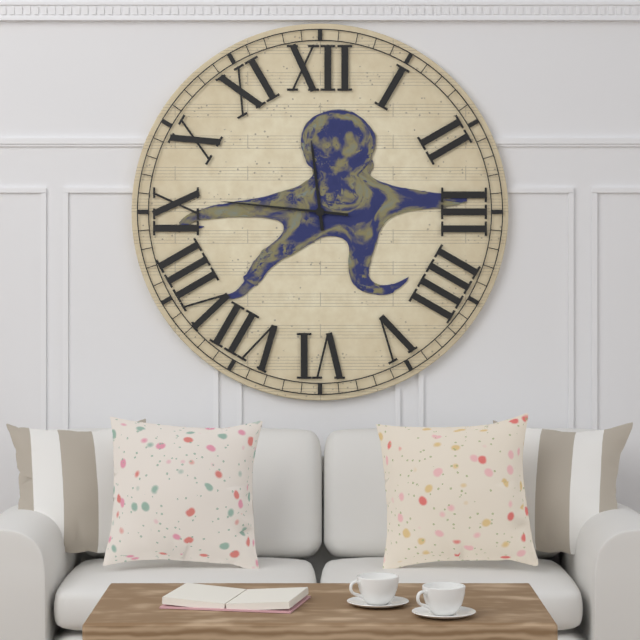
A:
h=11 m=46
